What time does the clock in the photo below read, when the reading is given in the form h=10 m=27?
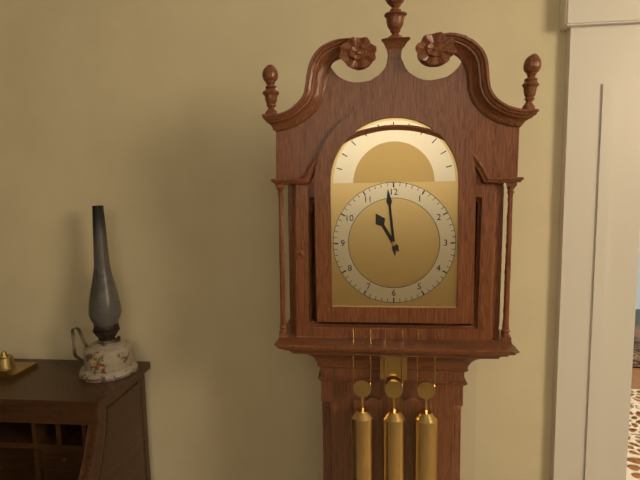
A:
h=10 m=59
